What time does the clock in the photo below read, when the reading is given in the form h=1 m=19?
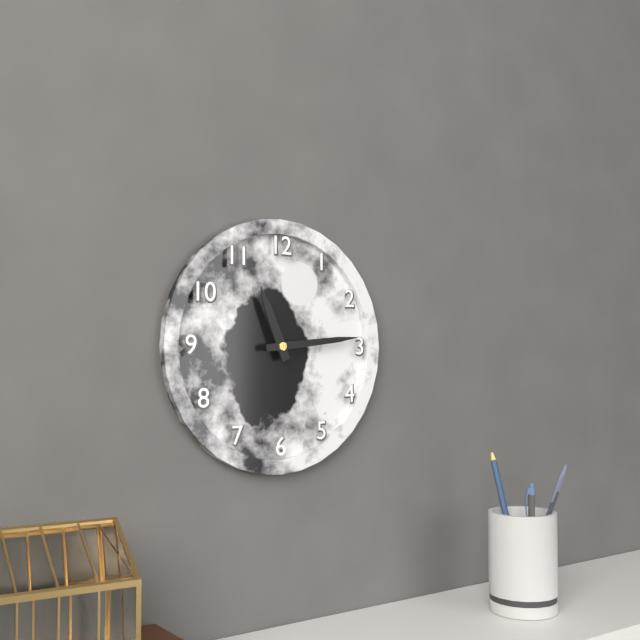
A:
h=11 m=14
